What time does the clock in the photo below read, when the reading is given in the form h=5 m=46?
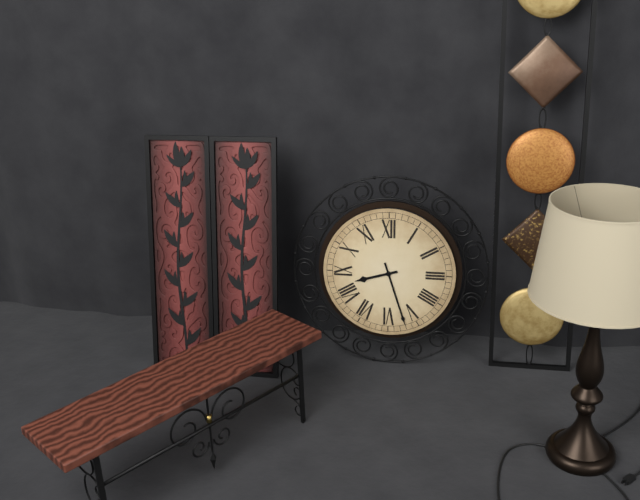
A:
h=8 m=27
